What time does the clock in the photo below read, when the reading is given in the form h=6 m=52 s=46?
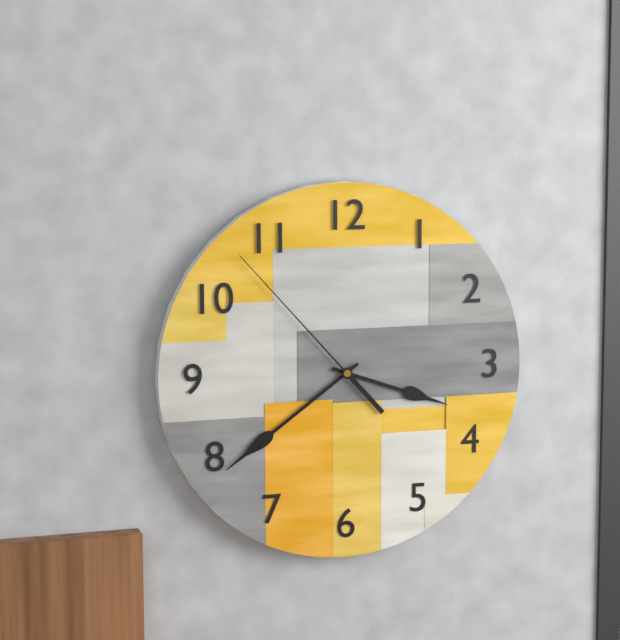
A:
h=3 m=39 s=53
